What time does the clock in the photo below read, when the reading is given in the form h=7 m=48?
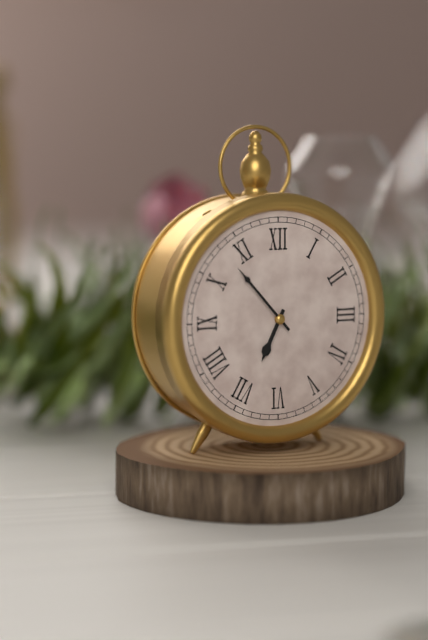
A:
h=6 m=53
